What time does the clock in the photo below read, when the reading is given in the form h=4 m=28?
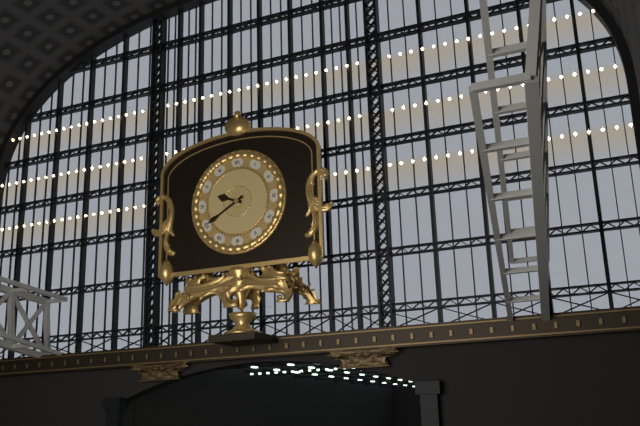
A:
h=9 m=40
